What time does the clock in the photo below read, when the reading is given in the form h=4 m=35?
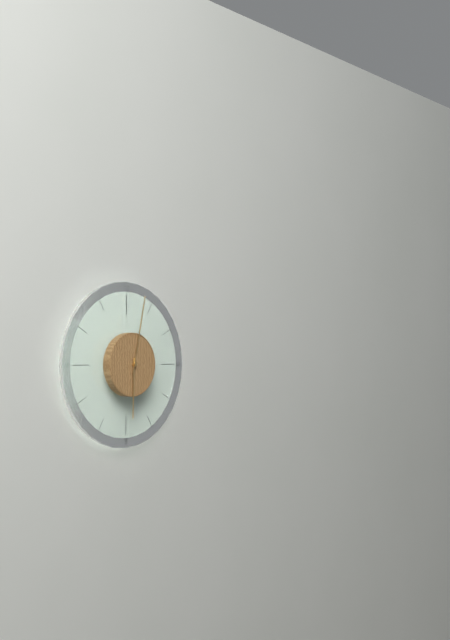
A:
h=6 m=2
